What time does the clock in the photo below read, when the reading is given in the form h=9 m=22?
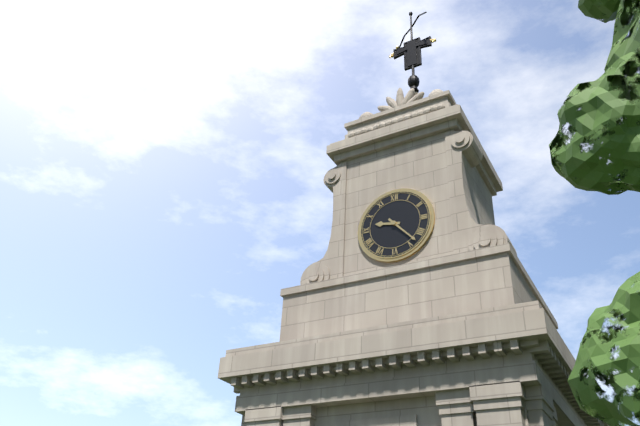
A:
h=9 m=23
